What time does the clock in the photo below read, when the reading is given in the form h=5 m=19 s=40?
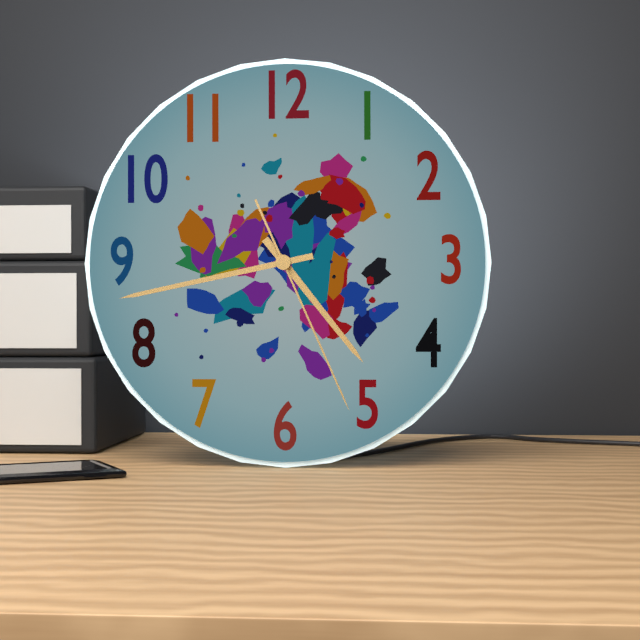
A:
h=4 m=43 s=26
